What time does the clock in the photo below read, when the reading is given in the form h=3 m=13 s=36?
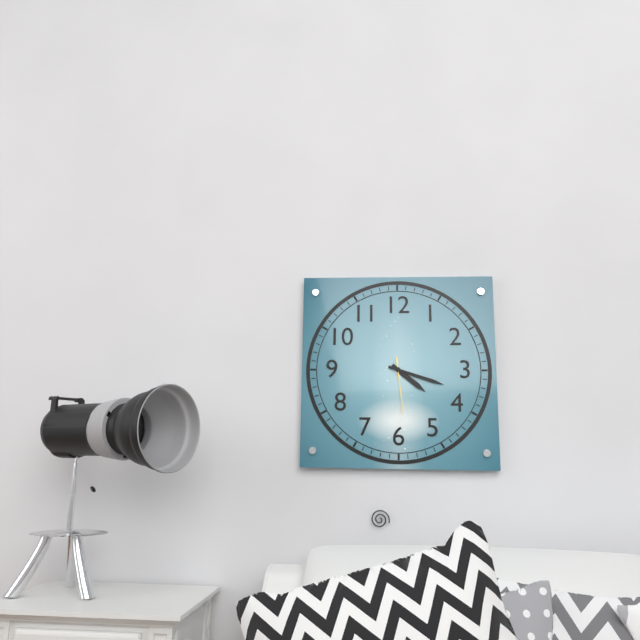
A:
h=4 m=18 s=29
